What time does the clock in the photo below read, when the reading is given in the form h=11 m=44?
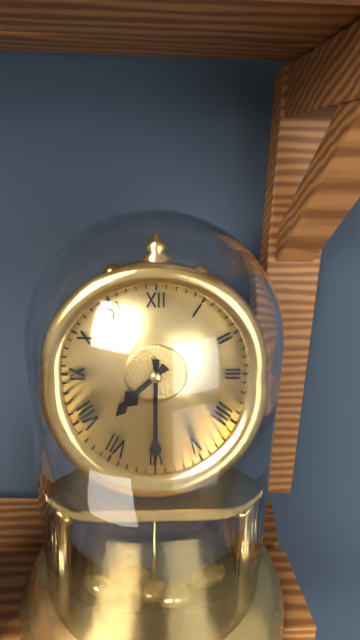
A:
h=7 m=30
